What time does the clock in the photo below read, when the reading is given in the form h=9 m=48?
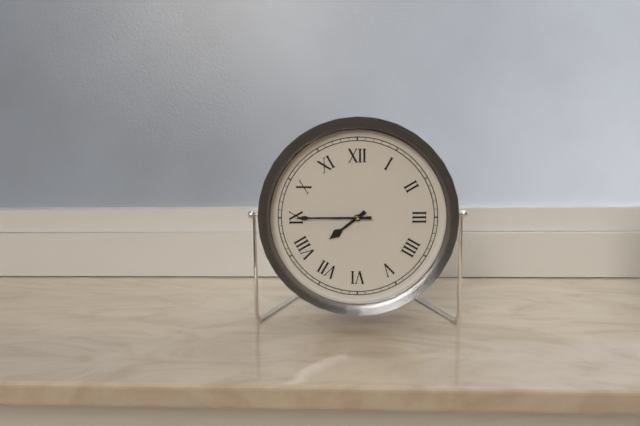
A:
h=7 m=45
